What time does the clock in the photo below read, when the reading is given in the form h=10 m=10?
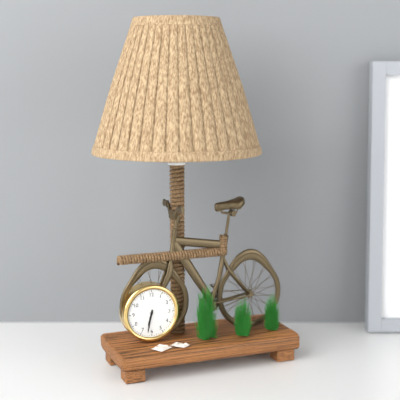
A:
h=6 m=32
